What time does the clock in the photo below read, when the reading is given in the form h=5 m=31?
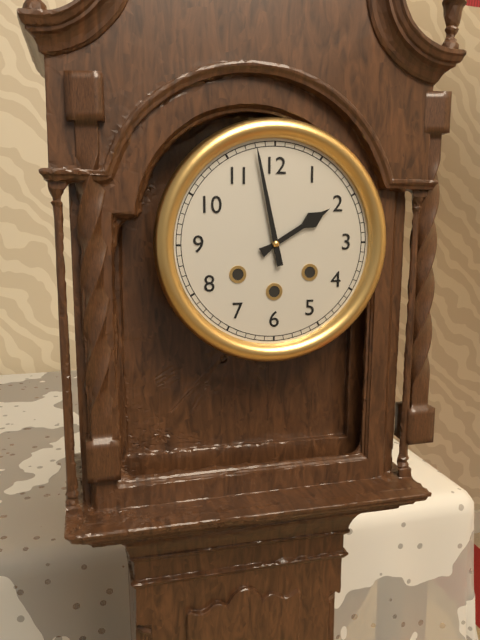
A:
h=1 m=58
